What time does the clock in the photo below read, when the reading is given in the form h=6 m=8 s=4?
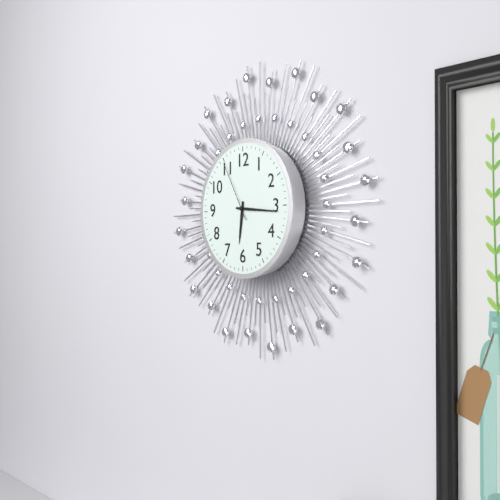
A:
h=6 m=16 s=55
